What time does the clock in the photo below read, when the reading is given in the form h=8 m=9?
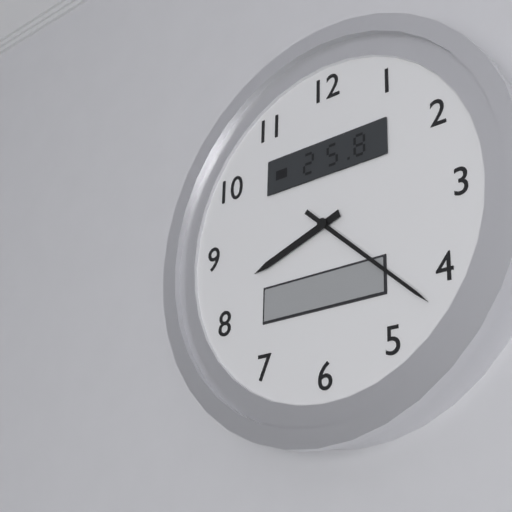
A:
h=8 m=22
